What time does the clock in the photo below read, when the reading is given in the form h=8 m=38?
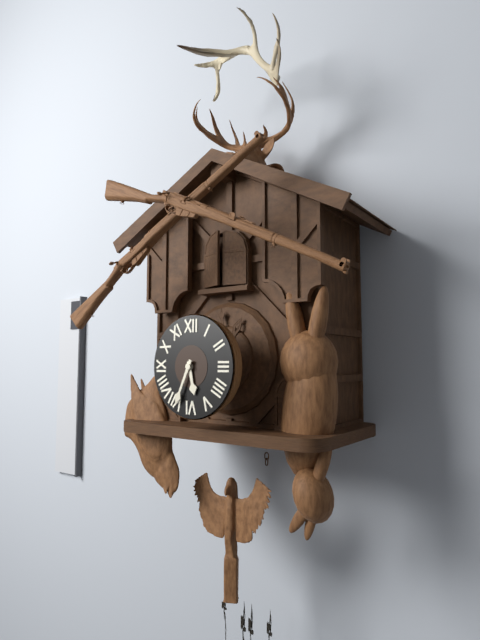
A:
h=5 m=34
